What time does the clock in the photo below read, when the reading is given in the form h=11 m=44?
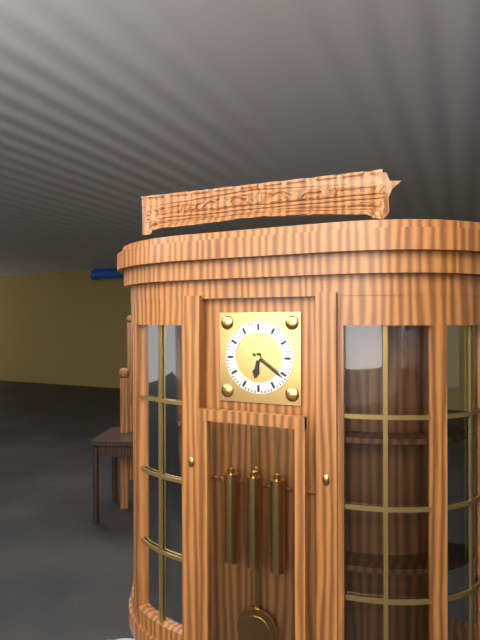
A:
h=6 m=21
